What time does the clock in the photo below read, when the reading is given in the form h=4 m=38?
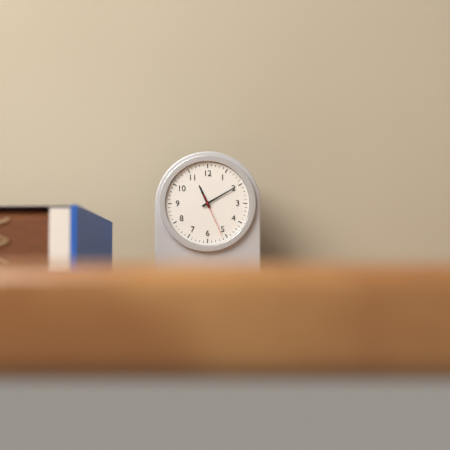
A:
h=11 m=10
